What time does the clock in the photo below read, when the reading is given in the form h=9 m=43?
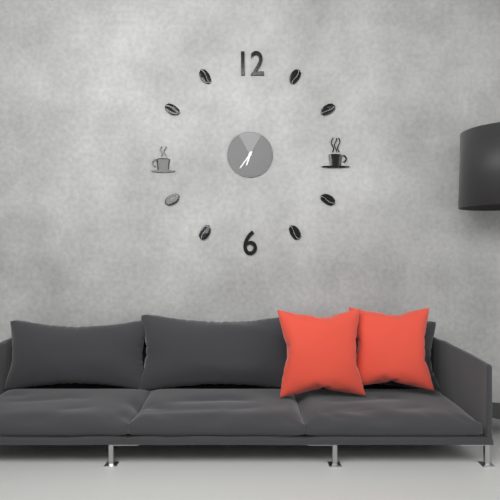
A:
h=6 m=36
